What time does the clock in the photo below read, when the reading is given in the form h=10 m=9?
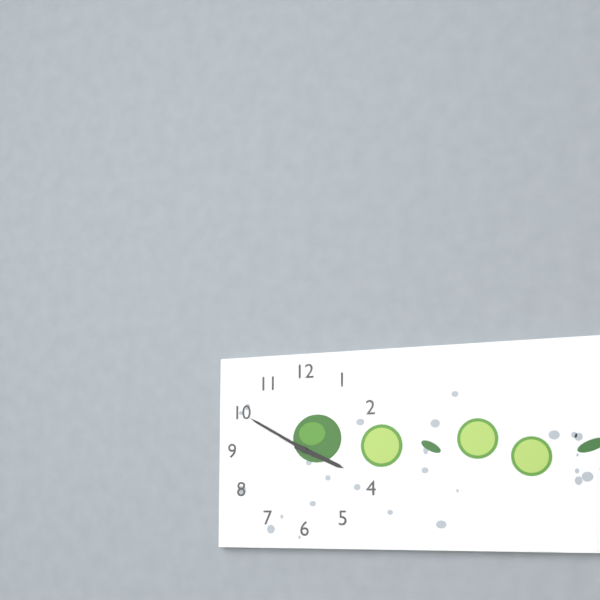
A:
h=3 m=50
